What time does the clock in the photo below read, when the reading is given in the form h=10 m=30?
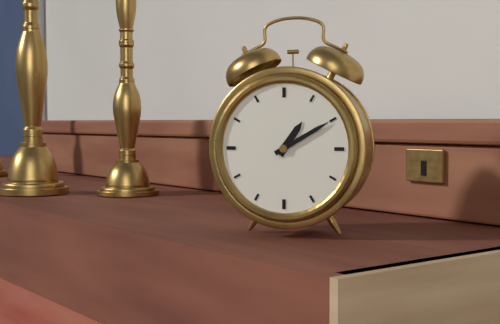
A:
h=1 m=10
